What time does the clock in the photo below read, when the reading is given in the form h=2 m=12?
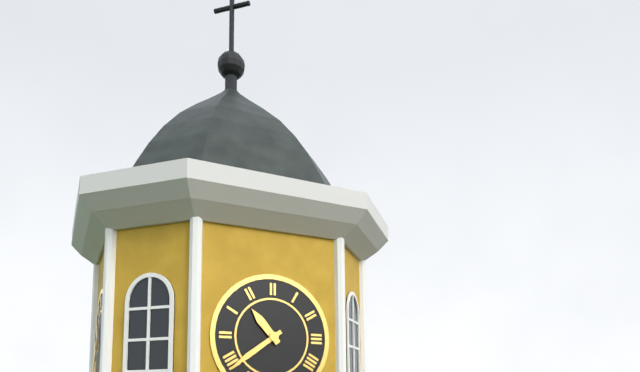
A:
h=10 m=39
